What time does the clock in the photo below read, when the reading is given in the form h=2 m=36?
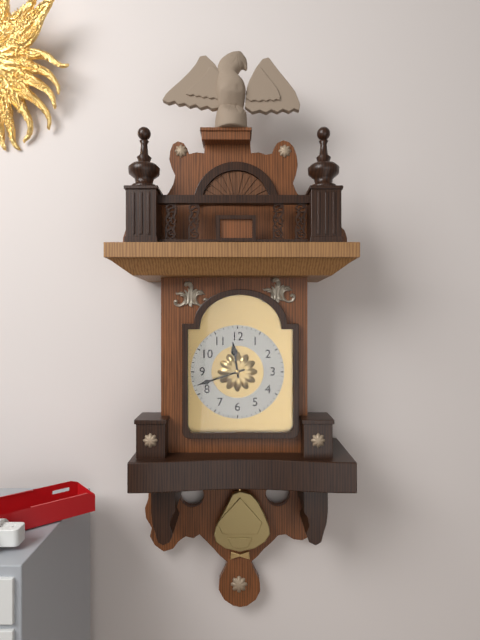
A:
h=11 m=42
